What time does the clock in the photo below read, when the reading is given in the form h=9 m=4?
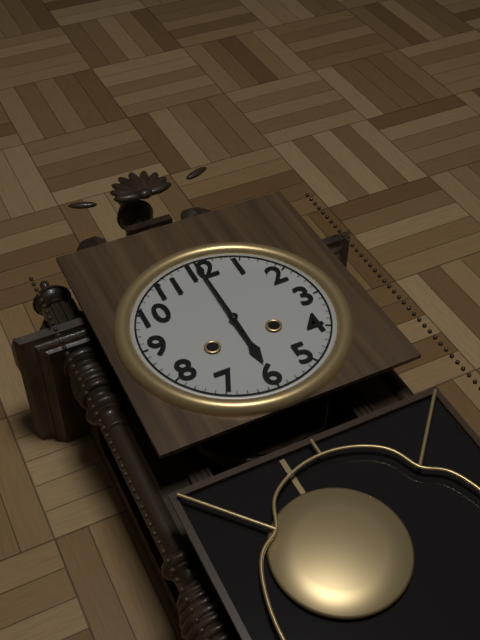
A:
h=6 m=0
